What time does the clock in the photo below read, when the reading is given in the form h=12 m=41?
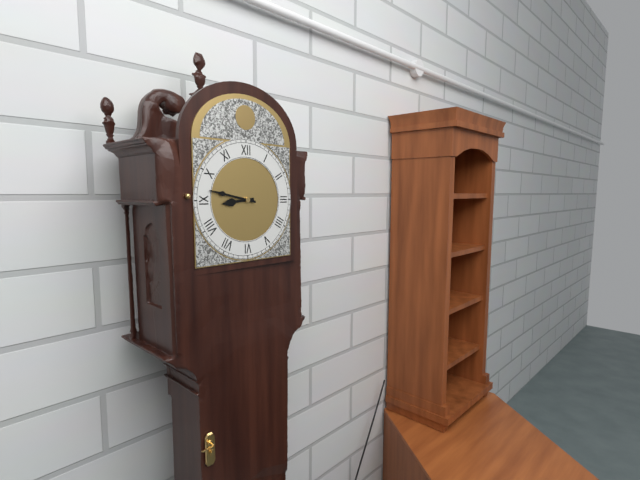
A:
h=8 m=47
